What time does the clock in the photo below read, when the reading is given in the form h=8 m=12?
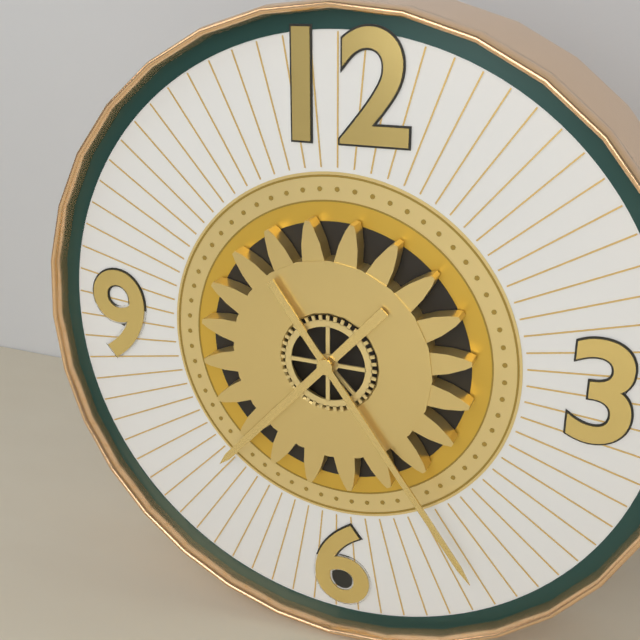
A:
h=7 m=24
